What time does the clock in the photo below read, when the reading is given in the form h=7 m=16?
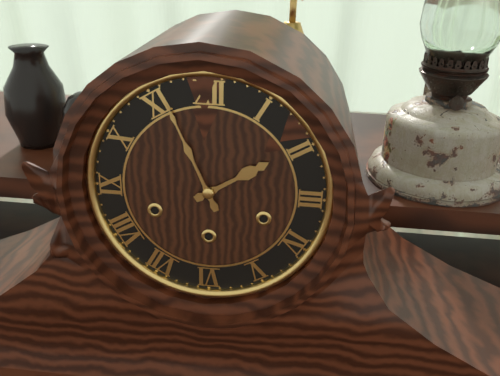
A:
h=1 m=56
